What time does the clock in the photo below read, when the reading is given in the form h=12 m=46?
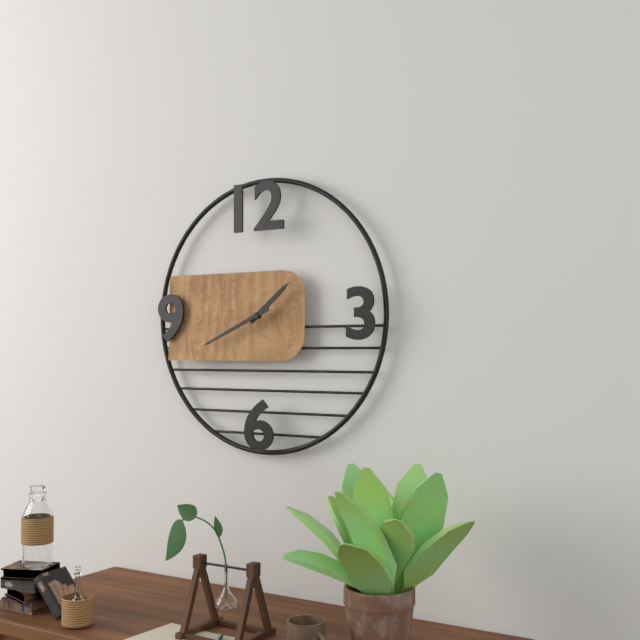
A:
h=1 m=41
